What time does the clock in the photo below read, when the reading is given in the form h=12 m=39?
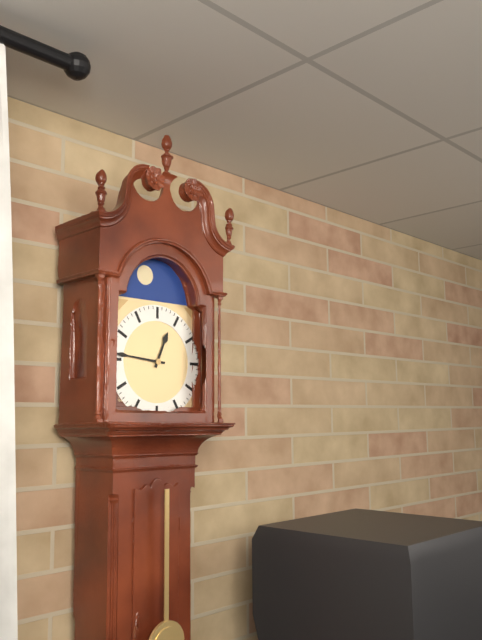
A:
h=12 m=46
